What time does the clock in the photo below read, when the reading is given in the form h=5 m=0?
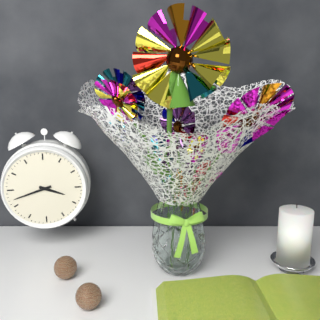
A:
h=3 m=42
